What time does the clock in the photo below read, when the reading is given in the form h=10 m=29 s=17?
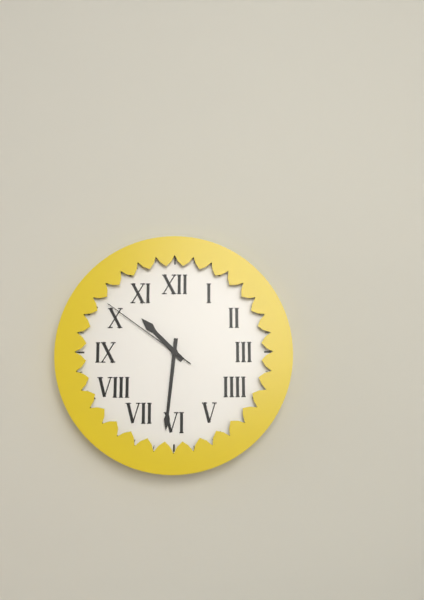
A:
h=10 m=31 s=51
